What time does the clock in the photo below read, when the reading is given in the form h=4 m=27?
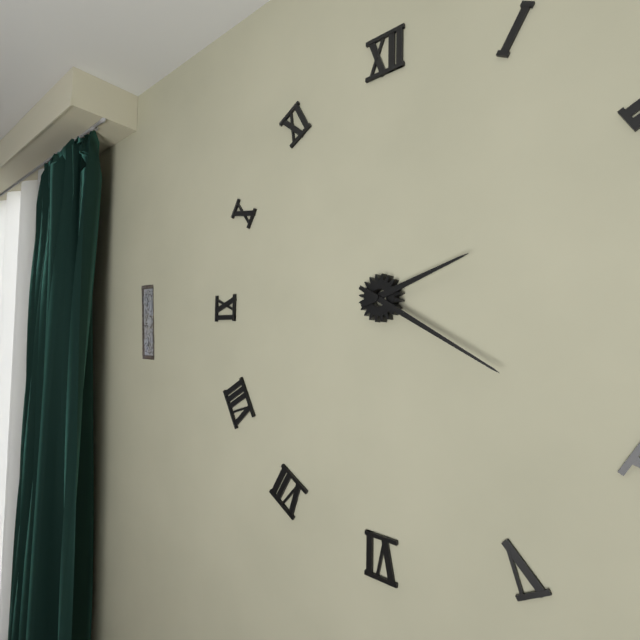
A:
h=2 m=20
